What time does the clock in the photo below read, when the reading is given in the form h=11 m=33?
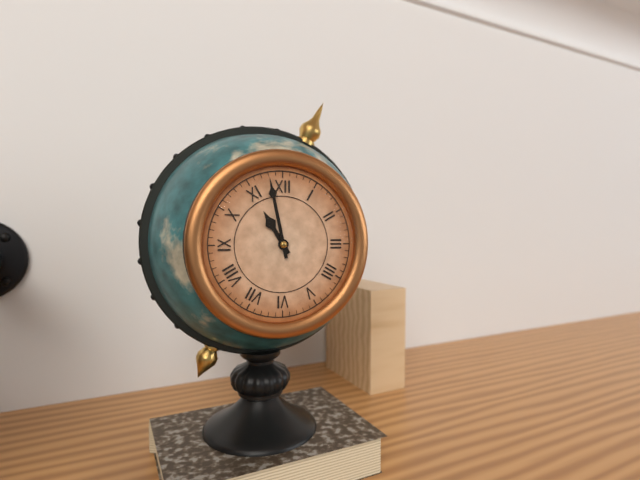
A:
h=10 m=58
